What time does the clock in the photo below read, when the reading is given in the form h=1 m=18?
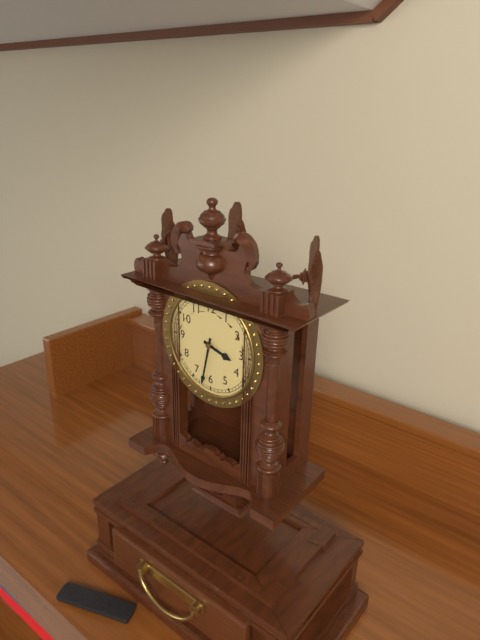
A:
h=3 m=32
